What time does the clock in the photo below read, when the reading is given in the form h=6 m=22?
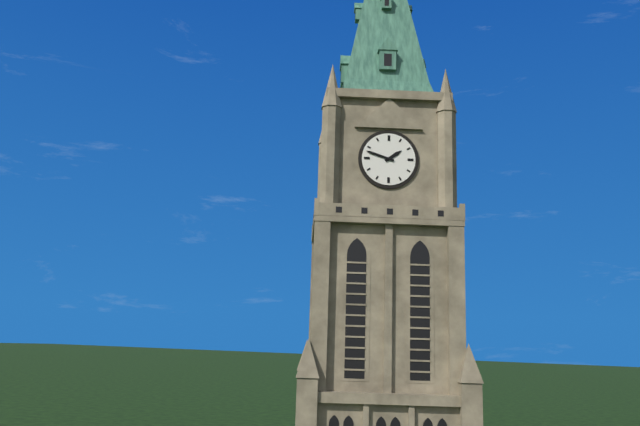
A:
h=1 m=48
